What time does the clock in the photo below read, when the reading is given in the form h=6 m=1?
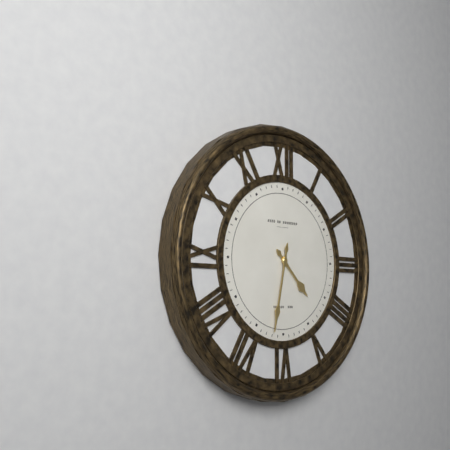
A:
h=4 m=32
